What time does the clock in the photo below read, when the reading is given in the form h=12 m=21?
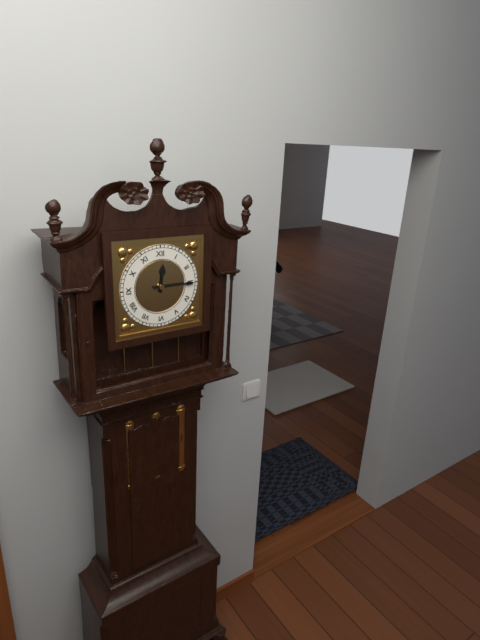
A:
h=12 m=15
